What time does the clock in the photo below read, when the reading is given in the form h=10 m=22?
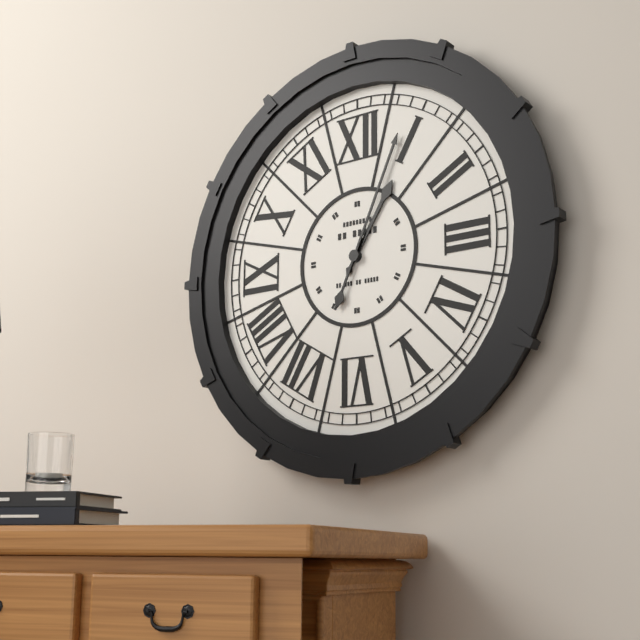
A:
h=1 m=4
